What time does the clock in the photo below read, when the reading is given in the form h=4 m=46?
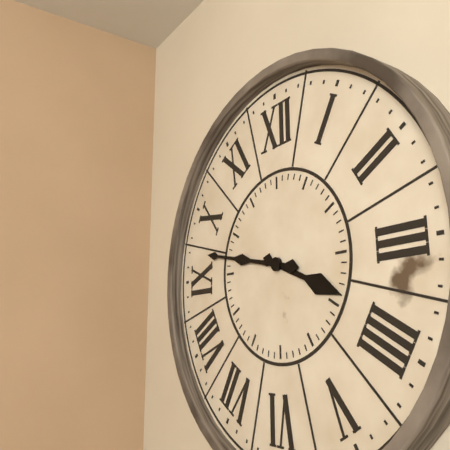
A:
h=3 m=47
